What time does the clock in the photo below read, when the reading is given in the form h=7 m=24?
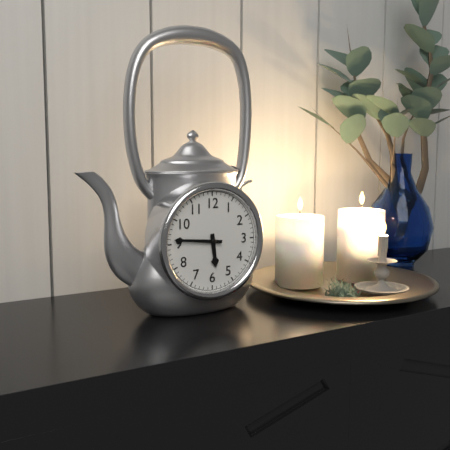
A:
h=5 m=46
